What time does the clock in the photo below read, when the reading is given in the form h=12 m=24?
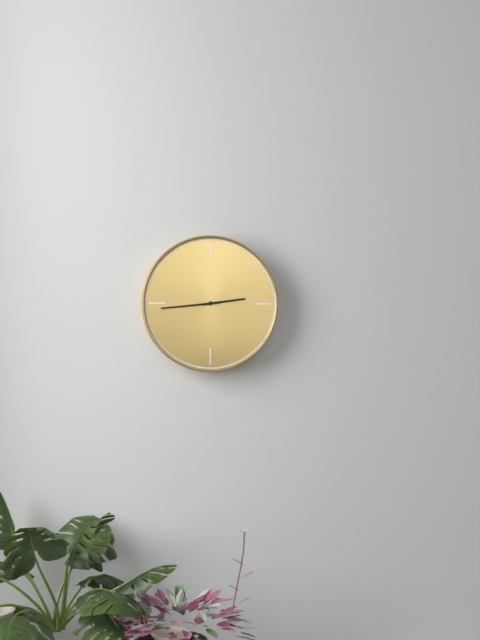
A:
h=2 m=44
